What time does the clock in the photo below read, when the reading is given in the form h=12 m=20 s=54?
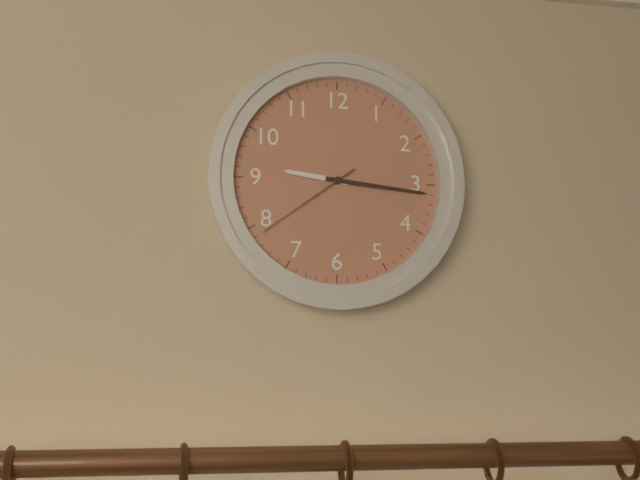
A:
h=9 m=16 s=39
